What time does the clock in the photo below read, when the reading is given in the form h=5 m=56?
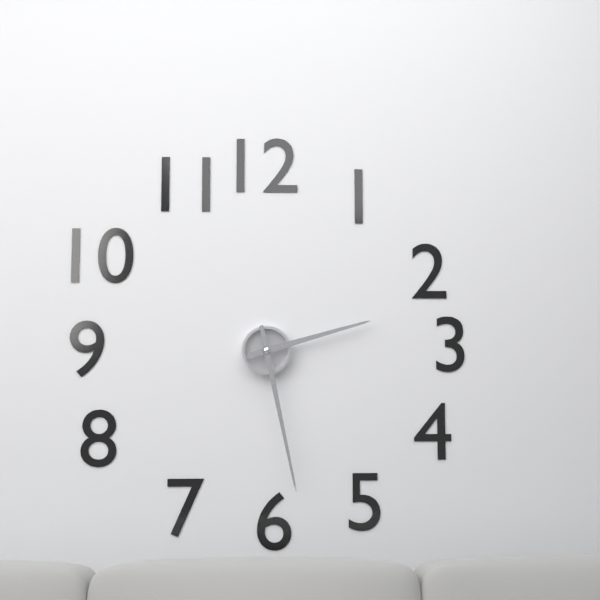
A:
h=2 m=28
